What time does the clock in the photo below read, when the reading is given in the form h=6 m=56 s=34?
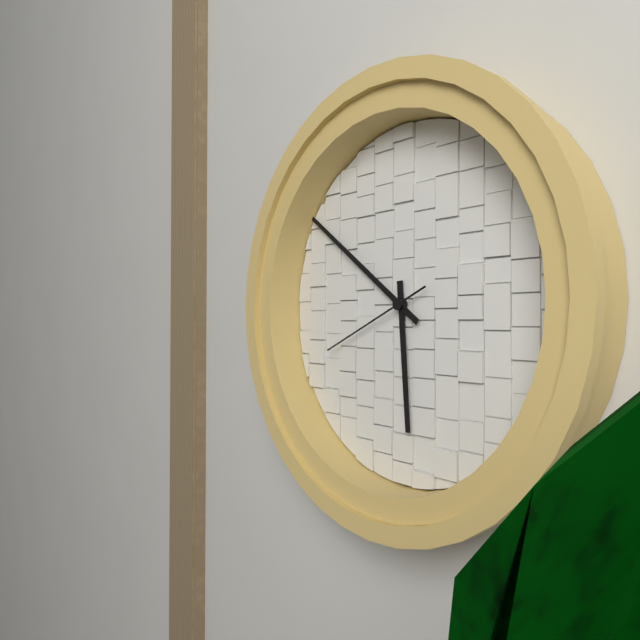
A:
h=5 m=51 s=41
